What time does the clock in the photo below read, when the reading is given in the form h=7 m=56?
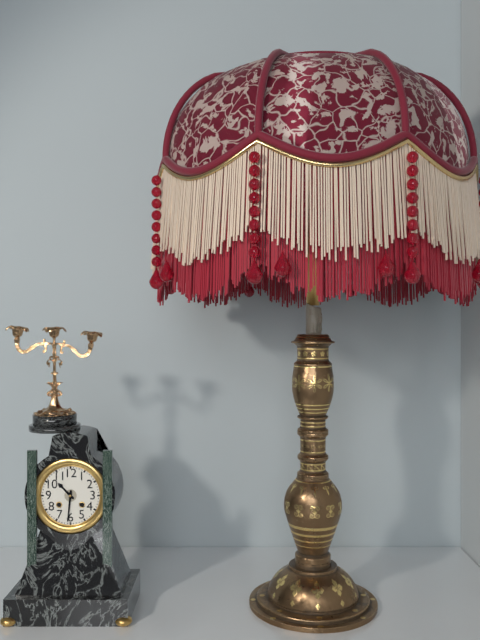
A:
h=10 m=31
